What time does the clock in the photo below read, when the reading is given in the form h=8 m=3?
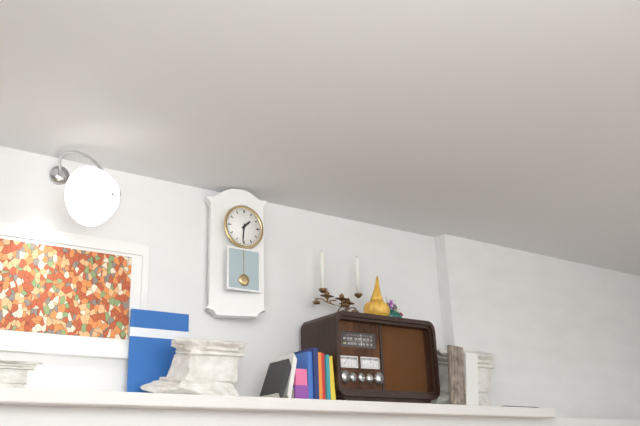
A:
h=1 m=31
